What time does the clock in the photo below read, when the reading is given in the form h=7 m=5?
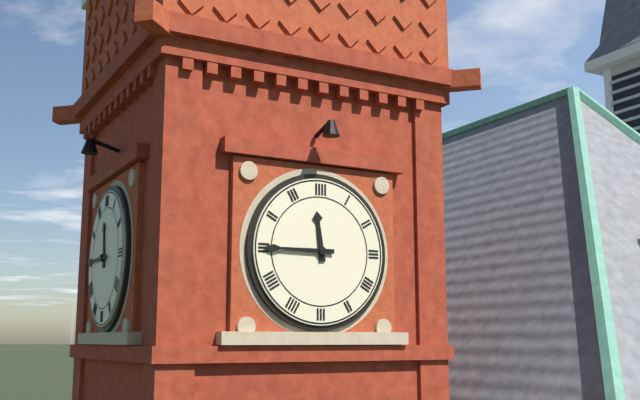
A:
h=11 m=45
